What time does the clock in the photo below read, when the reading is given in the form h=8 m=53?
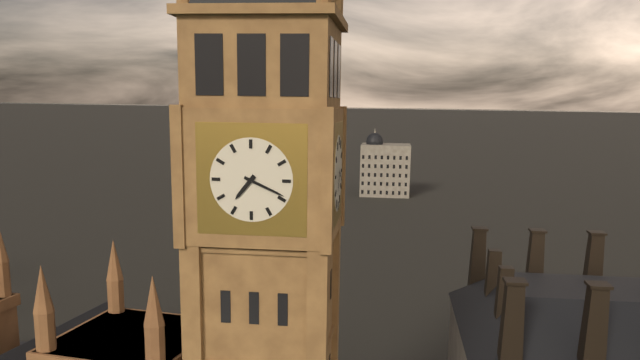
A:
h=7 m=19
